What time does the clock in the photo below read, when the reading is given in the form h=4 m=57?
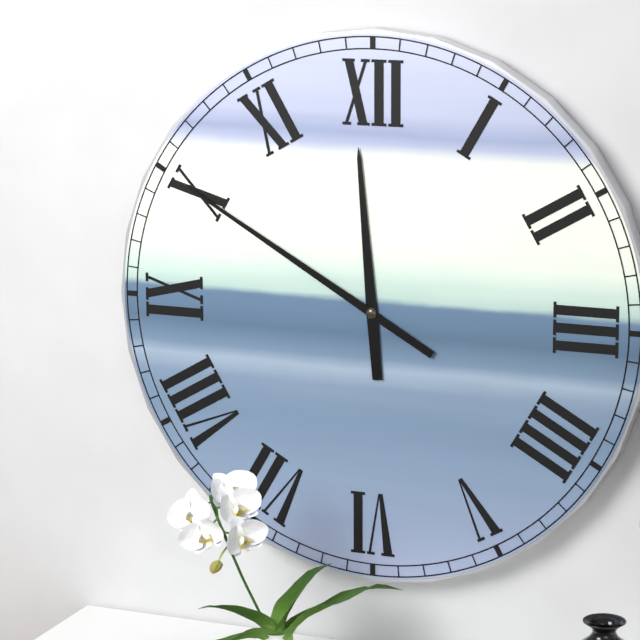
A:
h=11 m=50
